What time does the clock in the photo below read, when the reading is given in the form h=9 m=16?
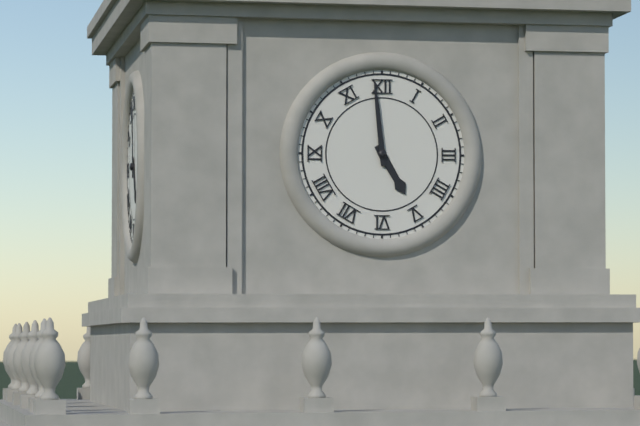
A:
h=4 m=59
